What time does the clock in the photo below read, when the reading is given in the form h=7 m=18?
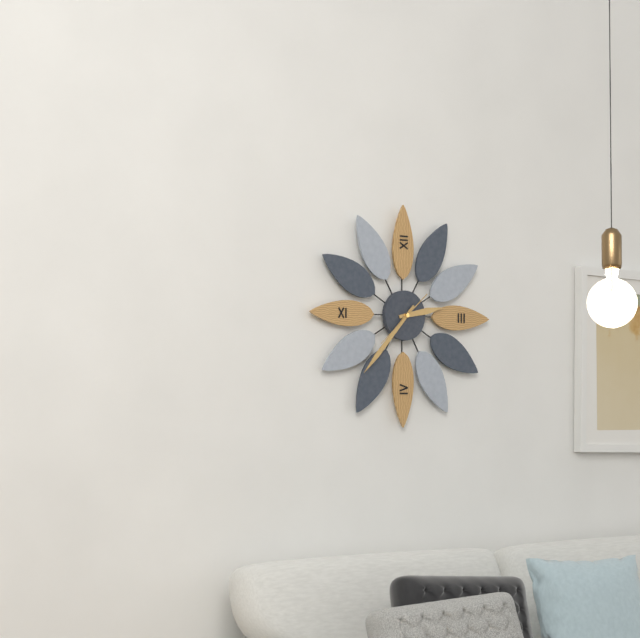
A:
h=2 m=37
